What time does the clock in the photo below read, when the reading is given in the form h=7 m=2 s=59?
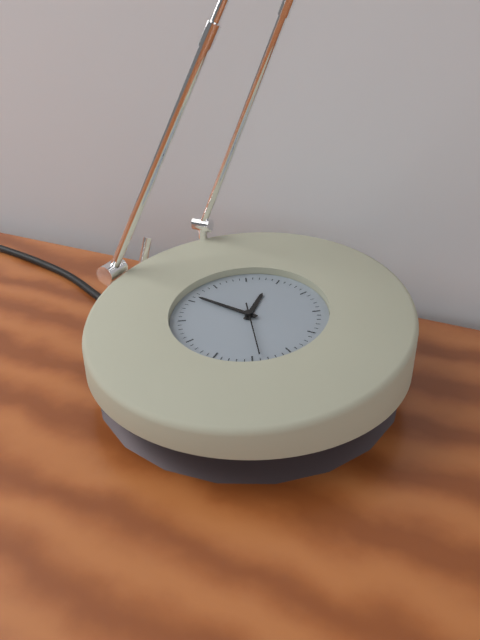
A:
h=11 m=46 s=24
